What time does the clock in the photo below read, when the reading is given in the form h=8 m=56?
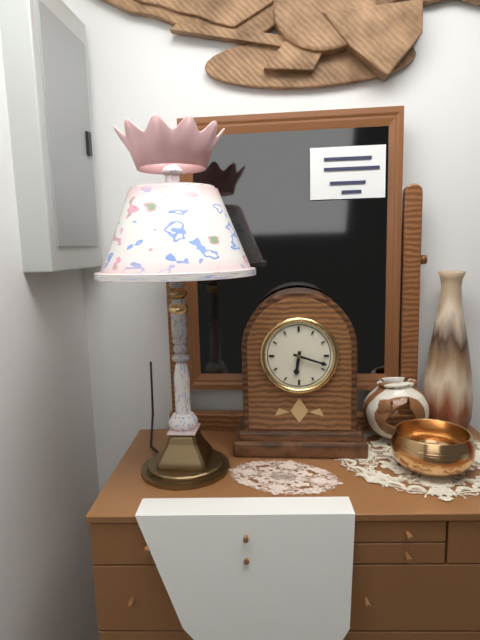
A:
h=6 m=18
